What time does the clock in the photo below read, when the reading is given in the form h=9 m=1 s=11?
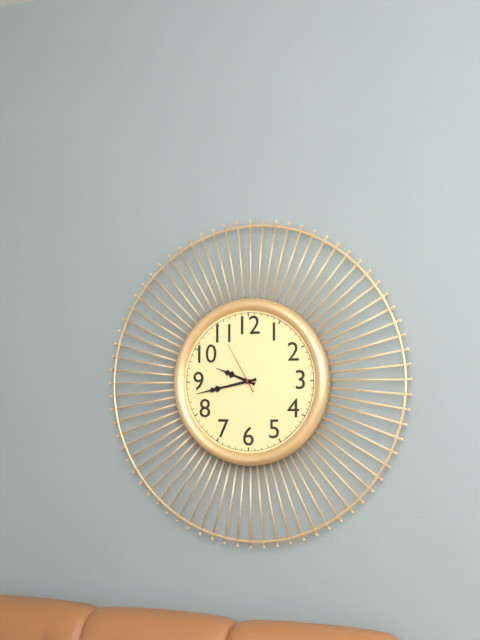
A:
h=9 m=43 s=55
